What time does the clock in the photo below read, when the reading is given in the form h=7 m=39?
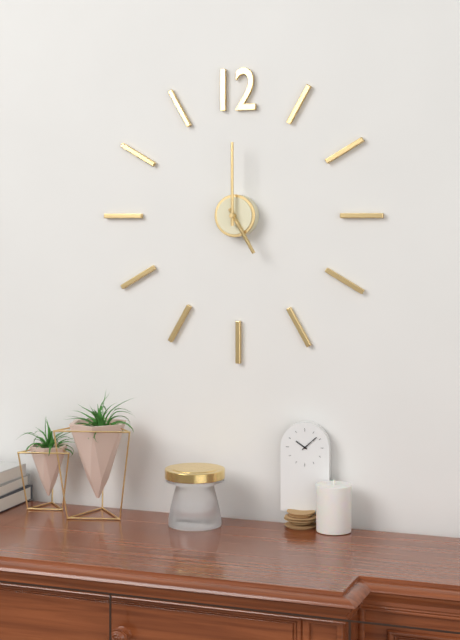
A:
h=5 m=0
